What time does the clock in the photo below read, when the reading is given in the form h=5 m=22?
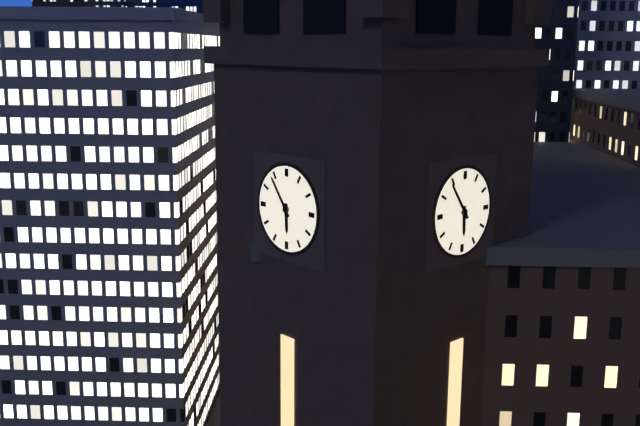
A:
h=5 m=54
